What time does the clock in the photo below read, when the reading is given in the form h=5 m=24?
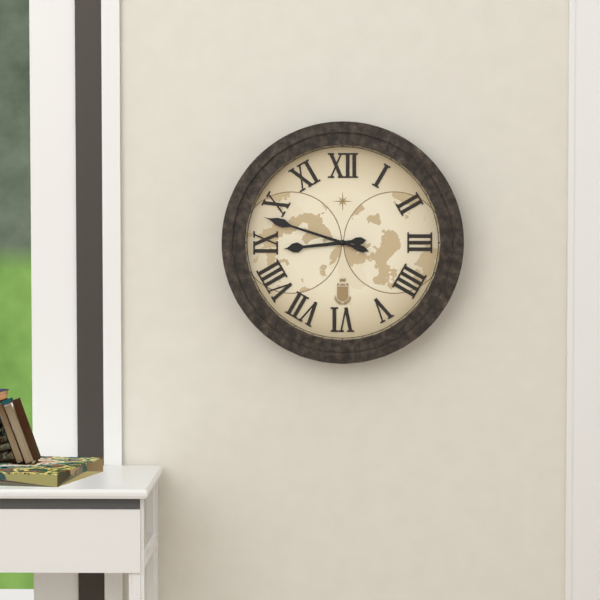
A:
h=8 m=48
